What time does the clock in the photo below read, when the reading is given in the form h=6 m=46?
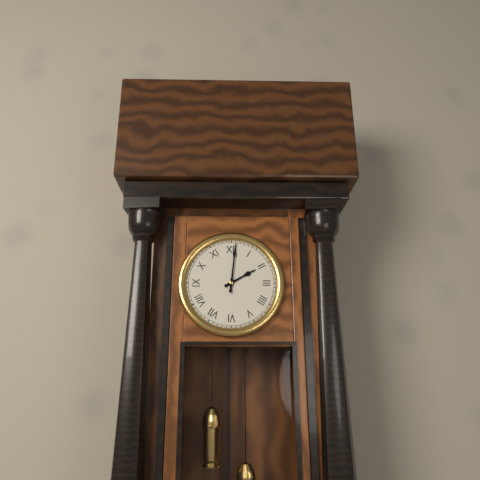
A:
h=2 m=1
